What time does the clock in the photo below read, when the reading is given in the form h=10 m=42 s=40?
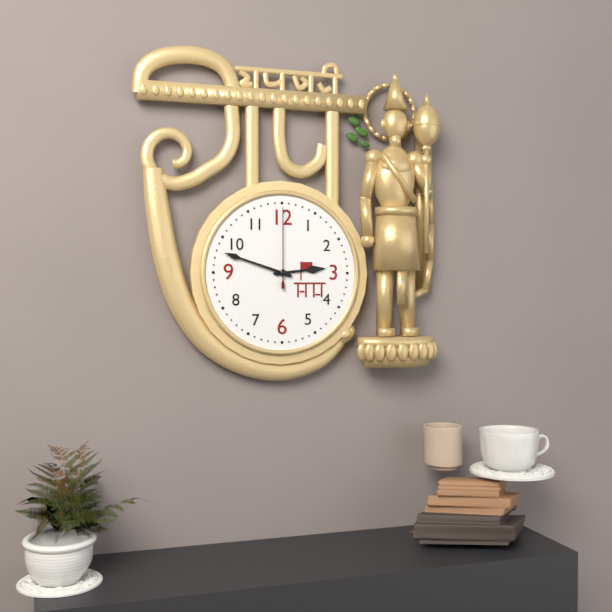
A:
h=2 m=48 s=0
